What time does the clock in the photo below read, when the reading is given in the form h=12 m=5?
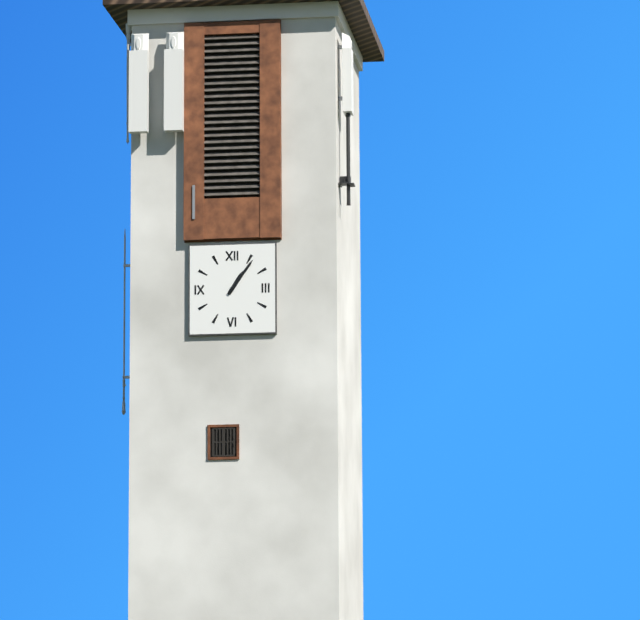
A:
h=1 m=6
